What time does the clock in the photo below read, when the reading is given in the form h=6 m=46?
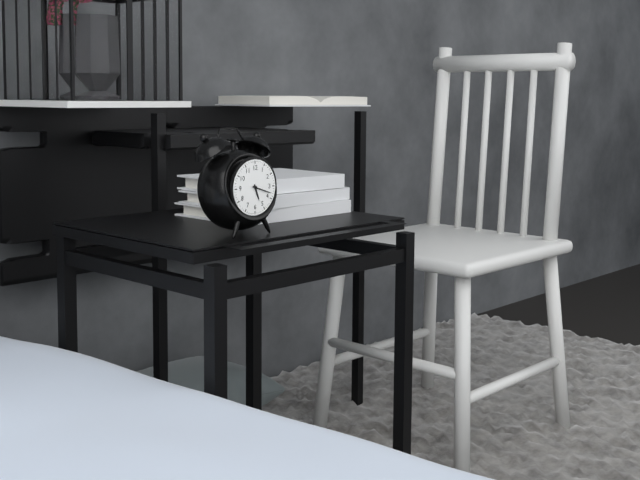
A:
h=5 m=18
